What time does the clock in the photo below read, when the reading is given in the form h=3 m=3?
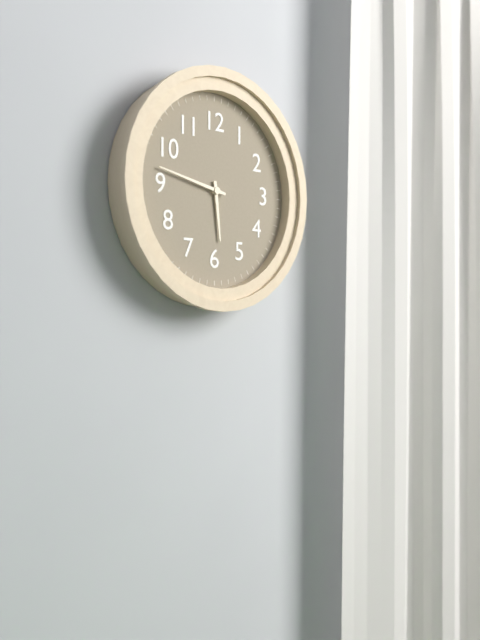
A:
h=5 m=47
